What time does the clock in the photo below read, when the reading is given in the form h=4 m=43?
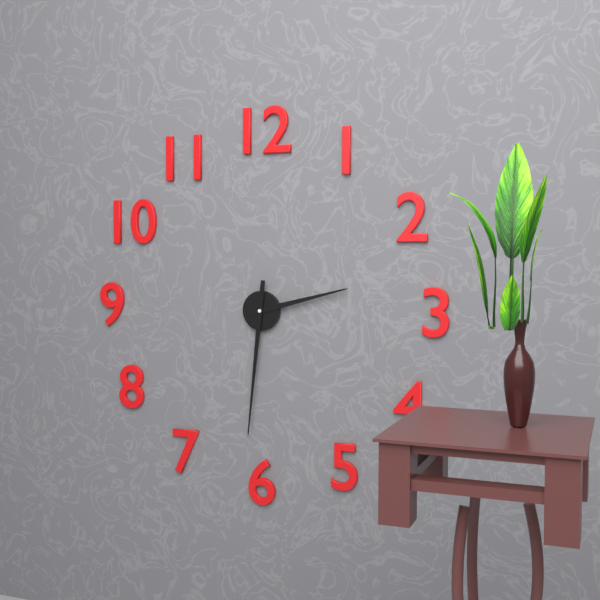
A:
h=2 m=31
